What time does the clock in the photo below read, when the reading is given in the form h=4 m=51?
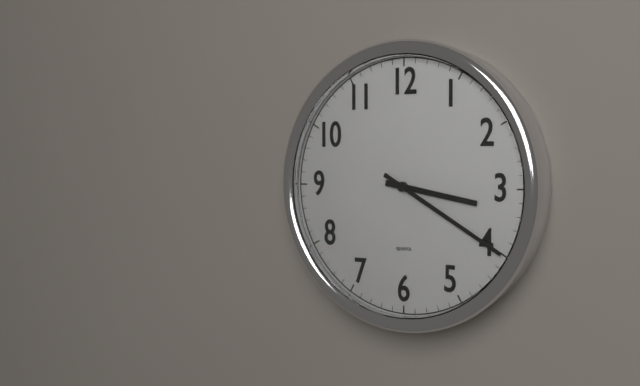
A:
h=3 m=20
